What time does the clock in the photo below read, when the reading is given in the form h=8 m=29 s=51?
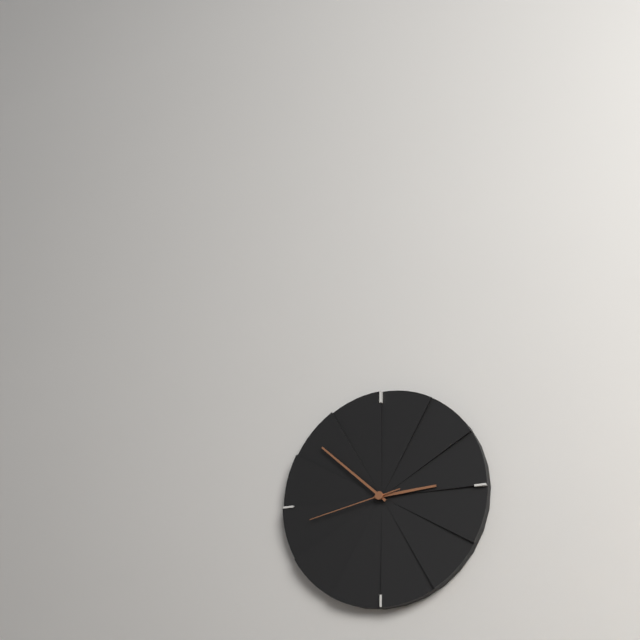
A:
h=2 m=52 s=43
